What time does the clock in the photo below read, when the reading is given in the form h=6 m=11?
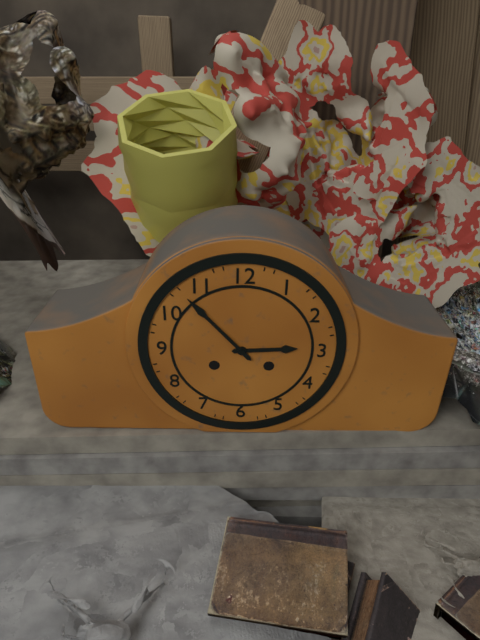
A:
h=2 m=53
